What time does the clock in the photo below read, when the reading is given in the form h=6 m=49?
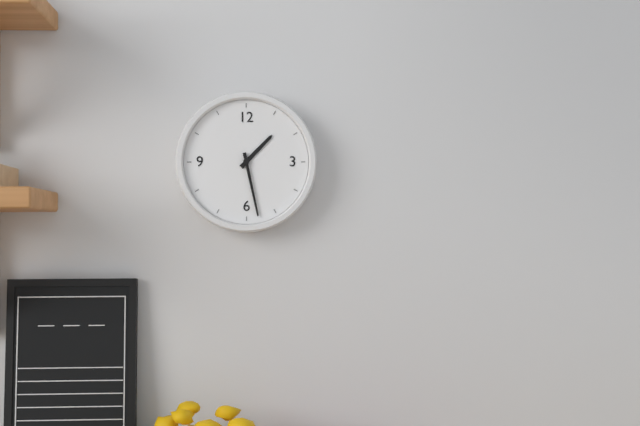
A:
h=1 m=28
